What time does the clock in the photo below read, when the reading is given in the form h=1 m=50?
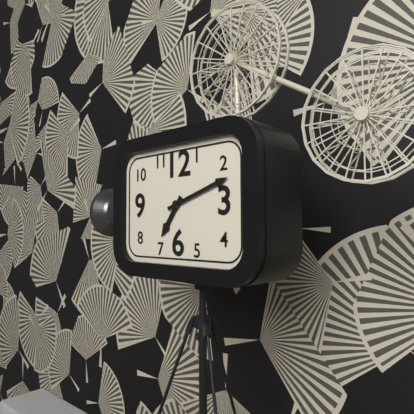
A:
h=7 m=12
